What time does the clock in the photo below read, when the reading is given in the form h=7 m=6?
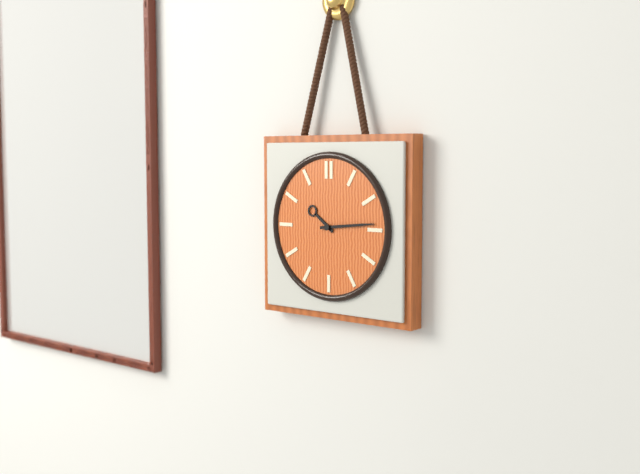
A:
h=10 m=14
